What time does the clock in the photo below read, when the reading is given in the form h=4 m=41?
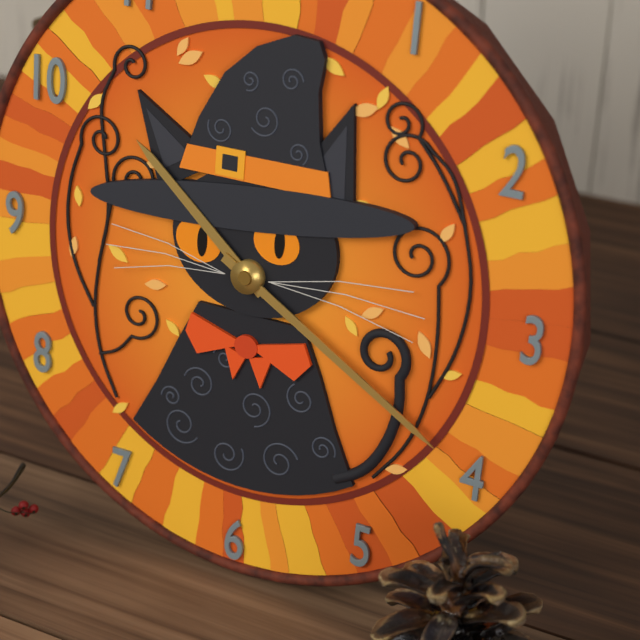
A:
h=10 m=20
